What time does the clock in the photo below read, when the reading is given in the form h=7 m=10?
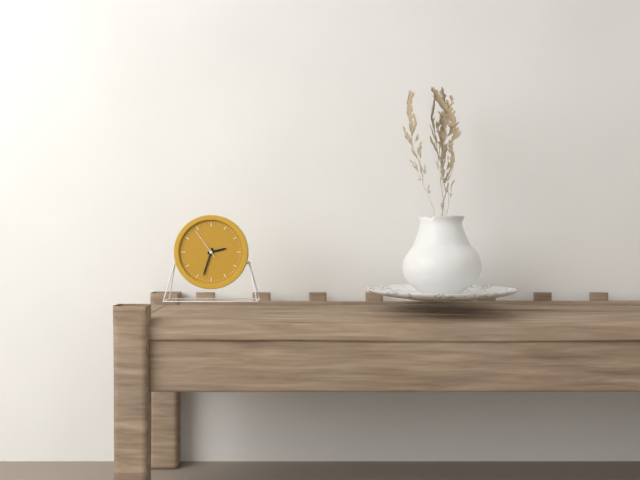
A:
h=2 m=33
